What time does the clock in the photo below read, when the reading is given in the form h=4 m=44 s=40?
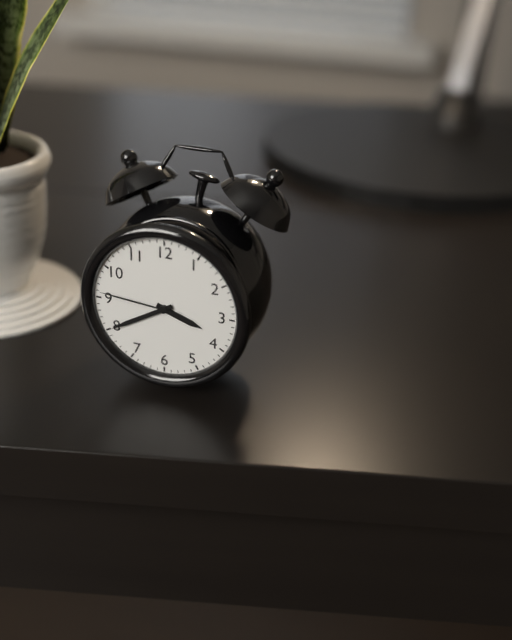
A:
h=3 m=40 s=46
